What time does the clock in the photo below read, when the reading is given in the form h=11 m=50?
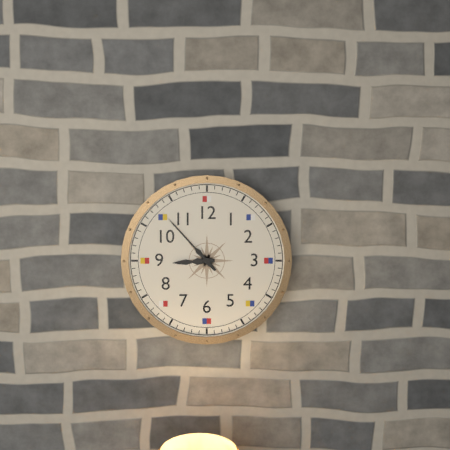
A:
h=8 m=53
